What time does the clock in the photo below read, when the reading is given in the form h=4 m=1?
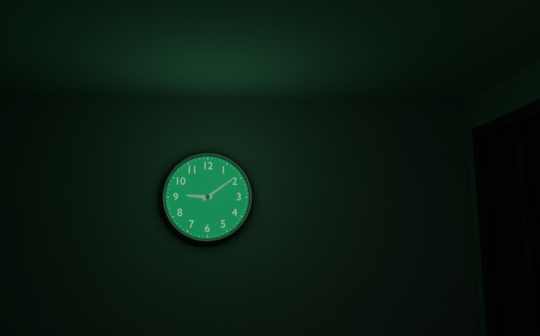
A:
h=9 m=9
